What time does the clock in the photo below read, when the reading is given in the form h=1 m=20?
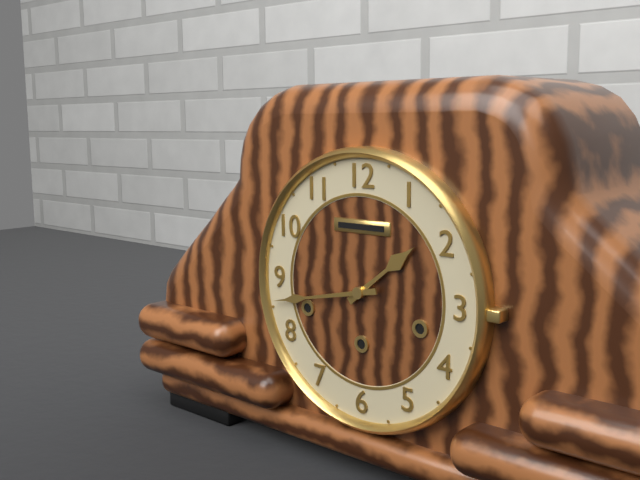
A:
h=1 m=43
